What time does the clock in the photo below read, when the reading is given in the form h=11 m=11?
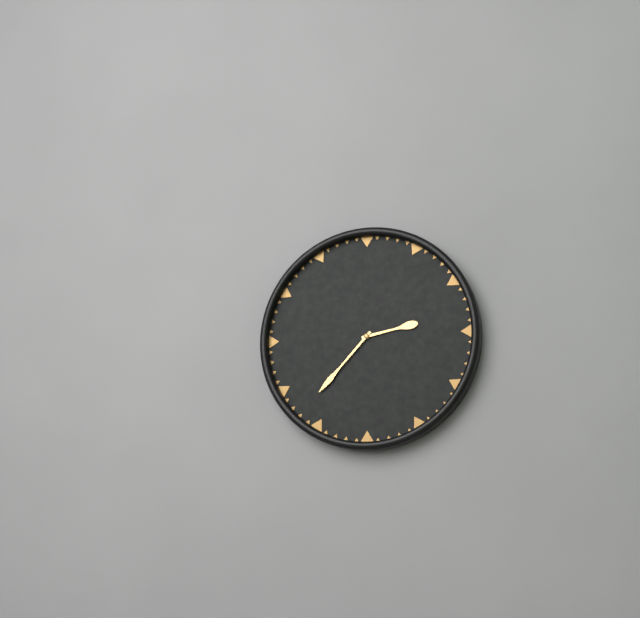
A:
h=2 m=37
